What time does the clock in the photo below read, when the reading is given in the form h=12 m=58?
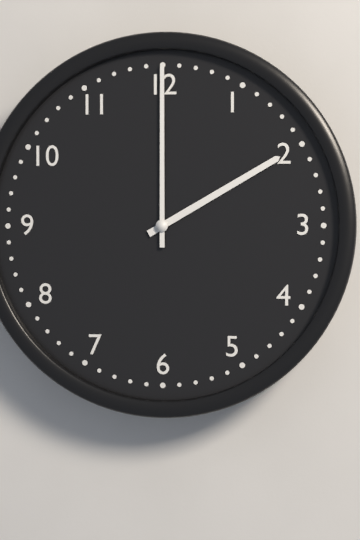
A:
h=2 m=0
